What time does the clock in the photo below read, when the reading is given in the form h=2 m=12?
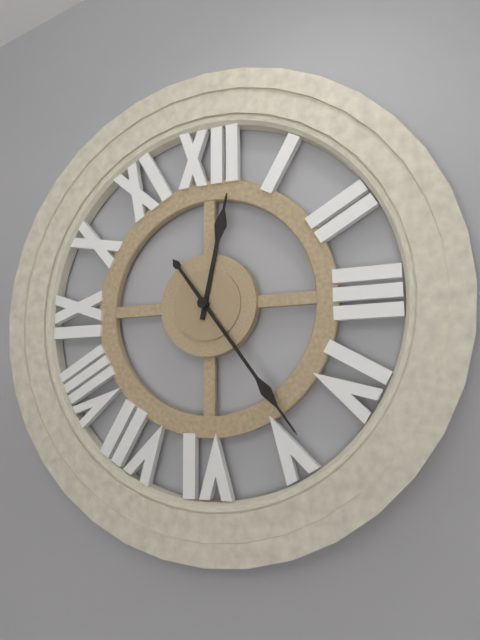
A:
h=12 m=24
